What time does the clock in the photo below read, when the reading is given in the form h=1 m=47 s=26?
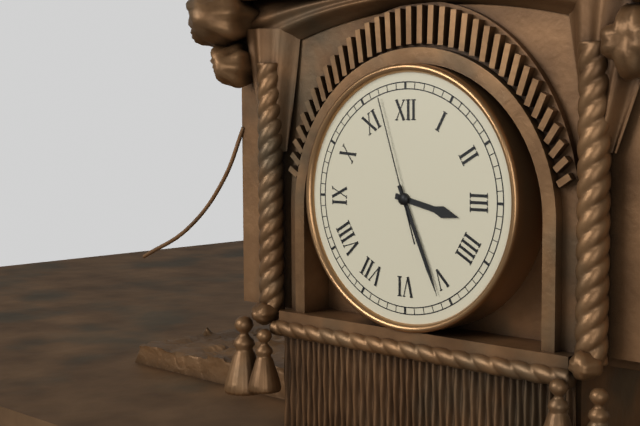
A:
h=3 m=26 s=57
